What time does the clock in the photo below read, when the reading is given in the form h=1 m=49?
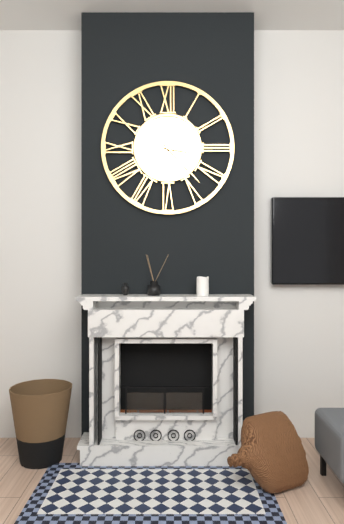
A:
h=3 m=23
